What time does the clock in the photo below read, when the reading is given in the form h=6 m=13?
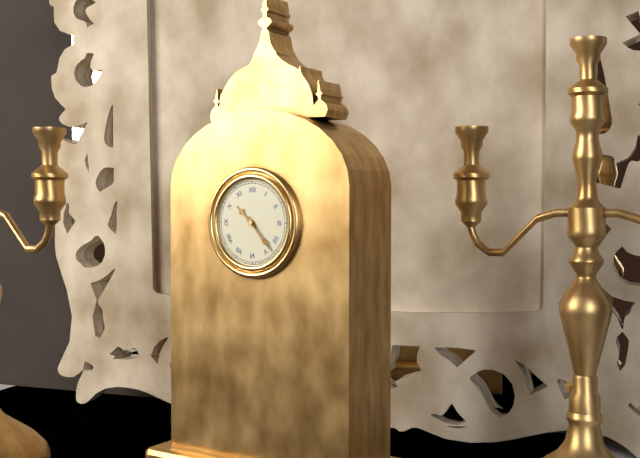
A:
h=10 m=23
